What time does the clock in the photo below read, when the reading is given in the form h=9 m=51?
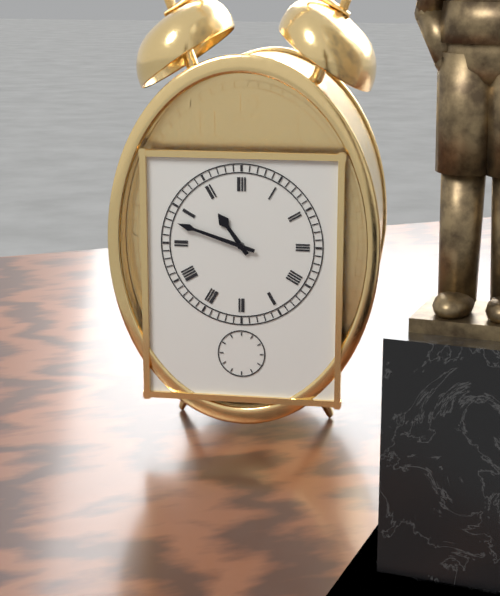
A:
h=10 m=48
